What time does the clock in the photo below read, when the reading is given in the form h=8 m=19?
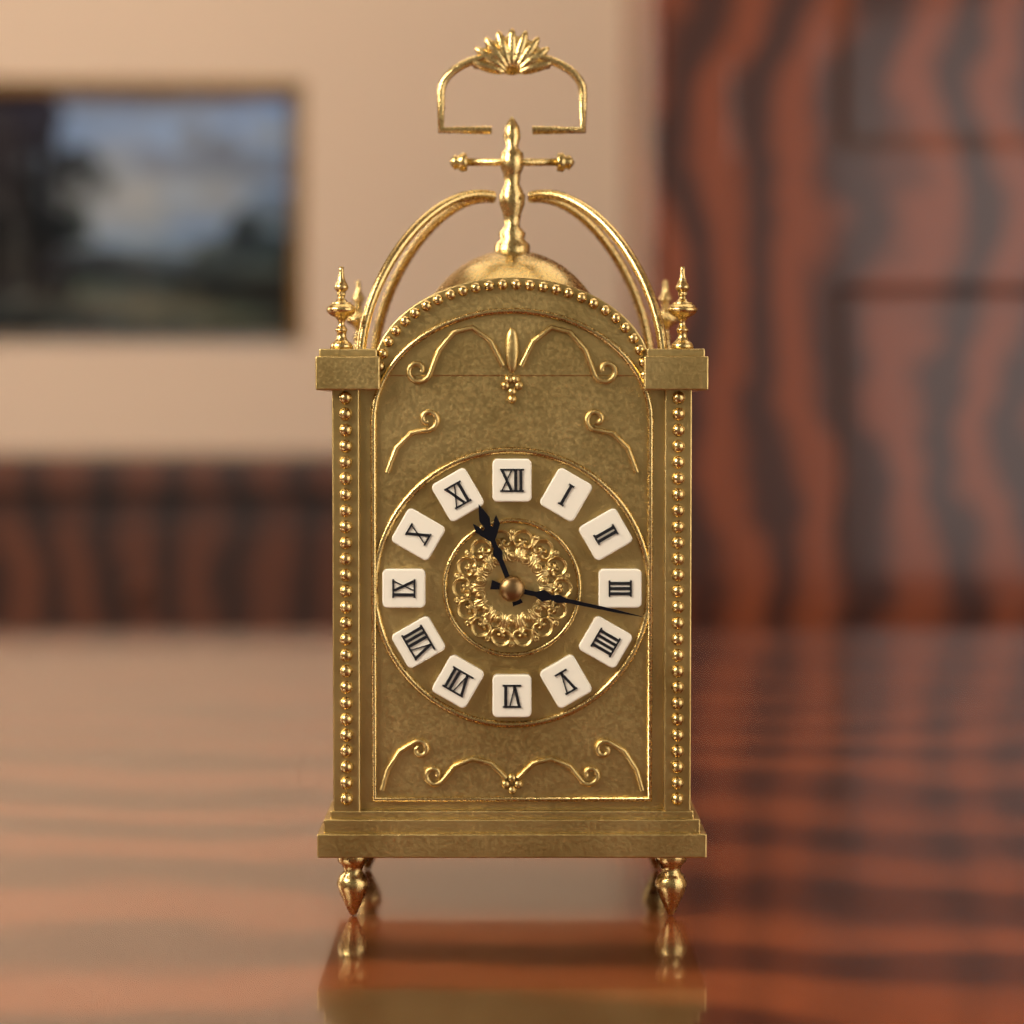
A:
h=11 m=17
